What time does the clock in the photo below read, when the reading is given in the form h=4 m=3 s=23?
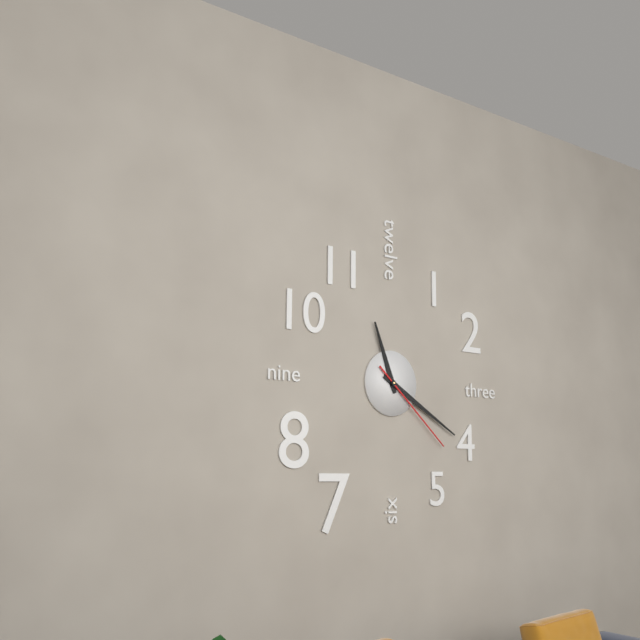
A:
h=11 m=20 s=22
